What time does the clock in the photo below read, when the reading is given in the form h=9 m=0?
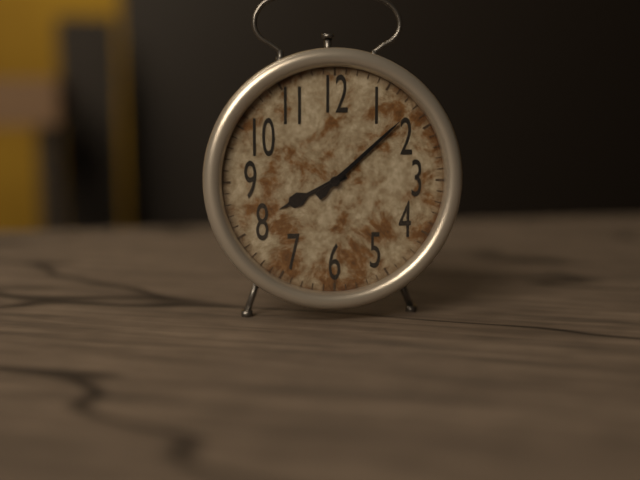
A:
h=8 m=8
